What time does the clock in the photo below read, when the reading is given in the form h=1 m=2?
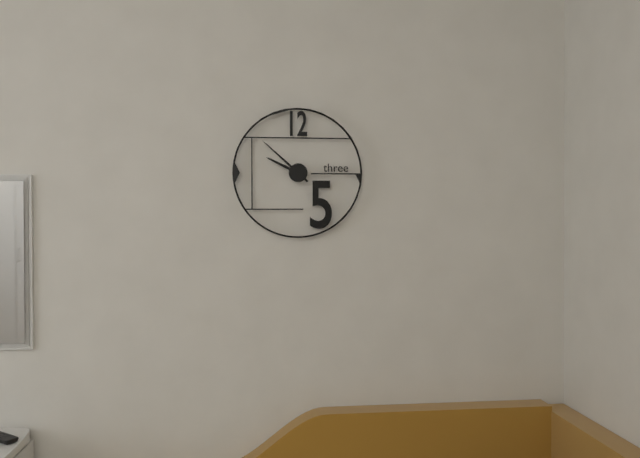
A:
h=9 m=52
